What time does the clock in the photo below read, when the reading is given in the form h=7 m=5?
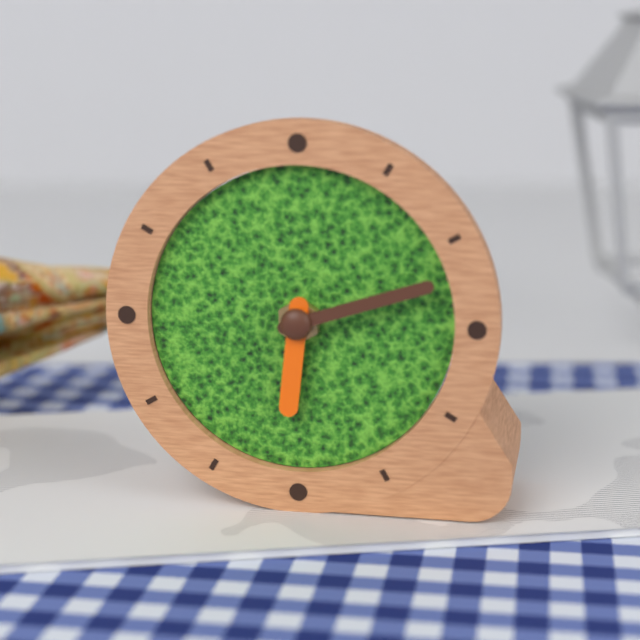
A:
h=6 m=12
